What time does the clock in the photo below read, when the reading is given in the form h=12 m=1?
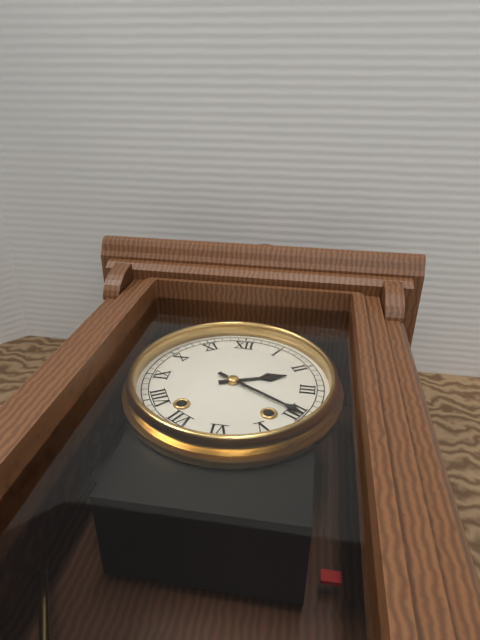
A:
h=2 m=20
